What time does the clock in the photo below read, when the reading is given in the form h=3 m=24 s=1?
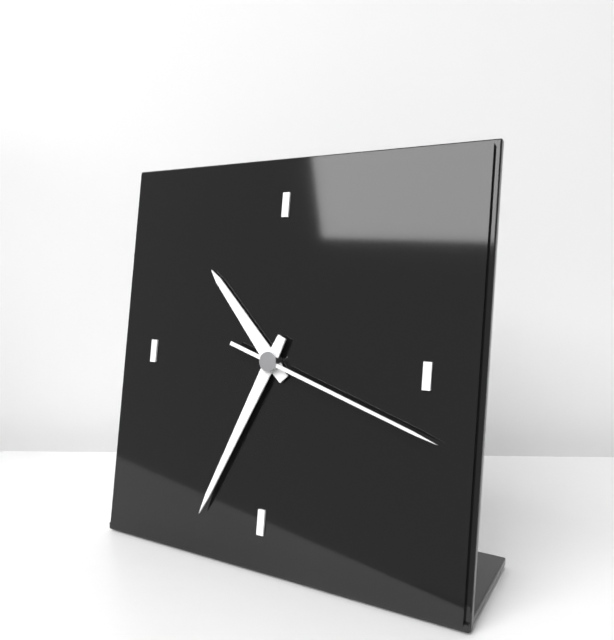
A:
h=10 m=34 s=18
